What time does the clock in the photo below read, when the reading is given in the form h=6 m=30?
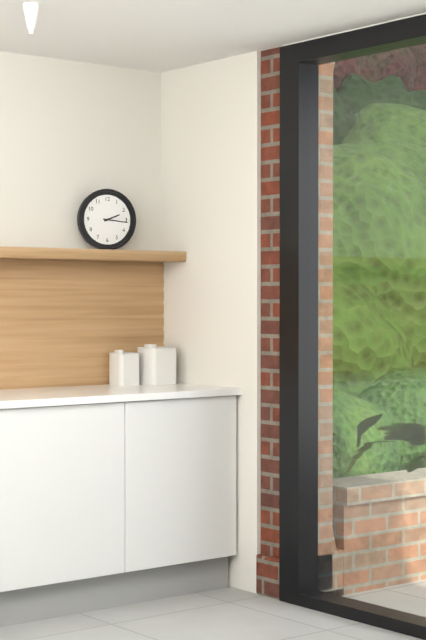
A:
h=2 m=16
